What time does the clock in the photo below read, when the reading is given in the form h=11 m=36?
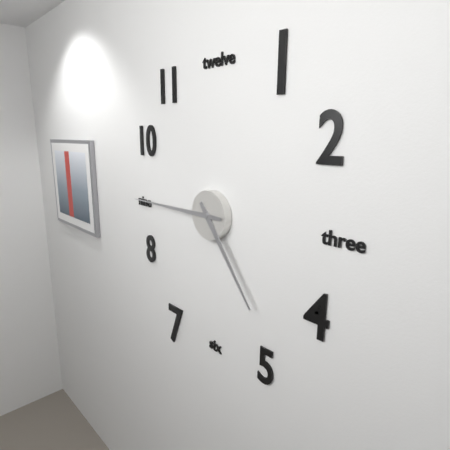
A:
h=4 m=45
